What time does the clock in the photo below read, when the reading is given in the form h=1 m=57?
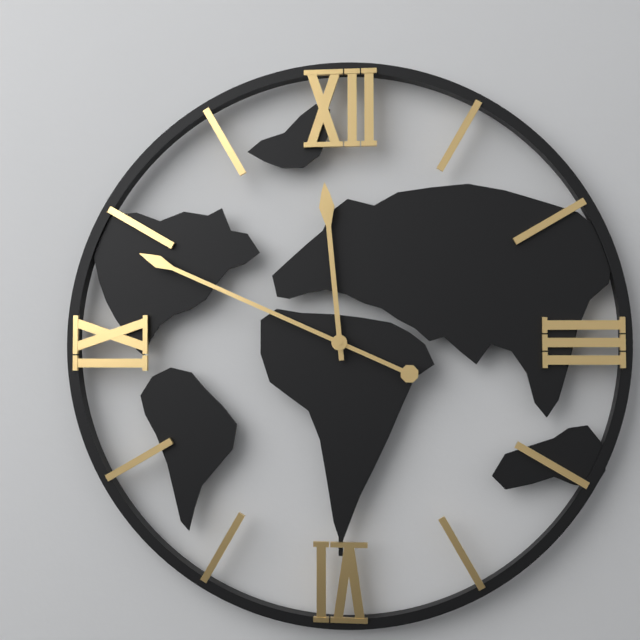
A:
h=11 m=49
